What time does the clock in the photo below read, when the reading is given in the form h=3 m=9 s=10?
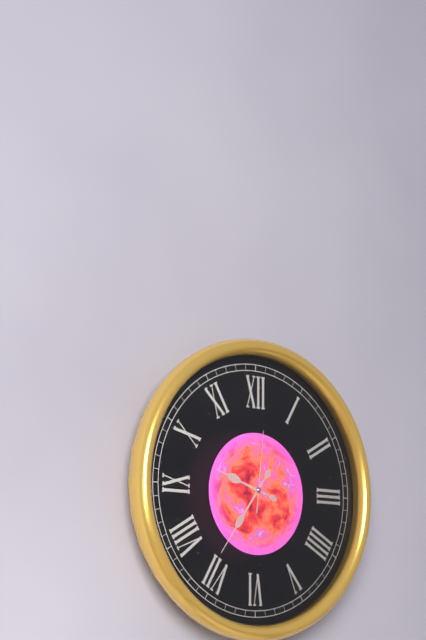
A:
h=9 m=36 s=1
